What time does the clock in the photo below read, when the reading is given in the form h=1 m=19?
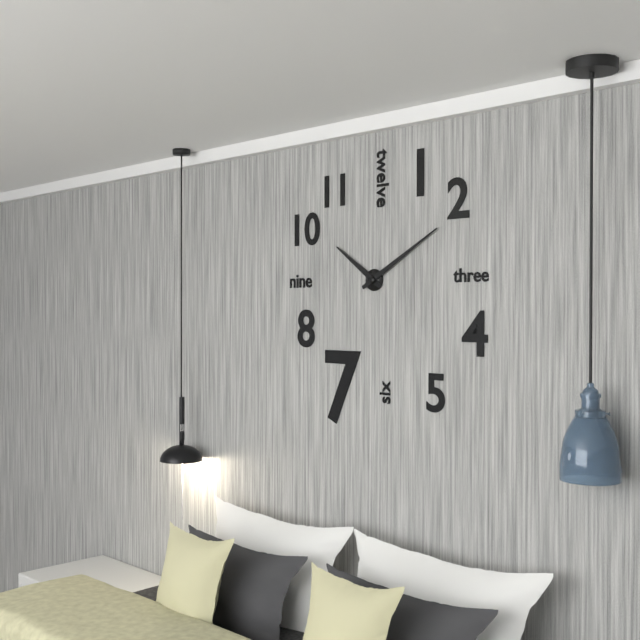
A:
h=10 m=10
